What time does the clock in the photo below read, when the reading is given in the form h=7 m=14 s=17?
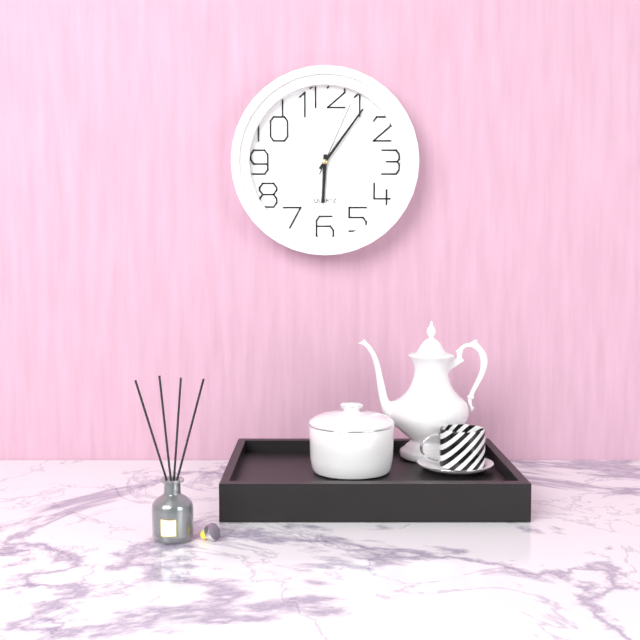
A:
h=6 m=6 s=4
